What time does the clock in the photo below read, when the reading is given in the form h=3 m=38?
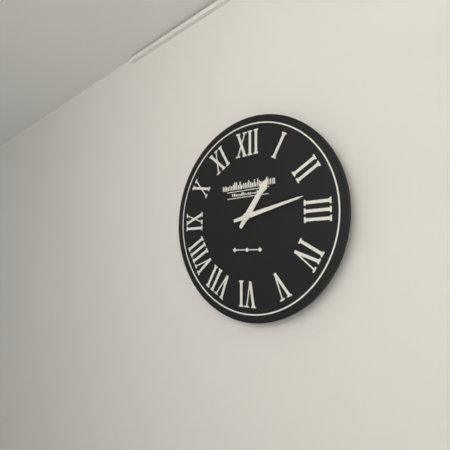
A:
h=1 m=13
